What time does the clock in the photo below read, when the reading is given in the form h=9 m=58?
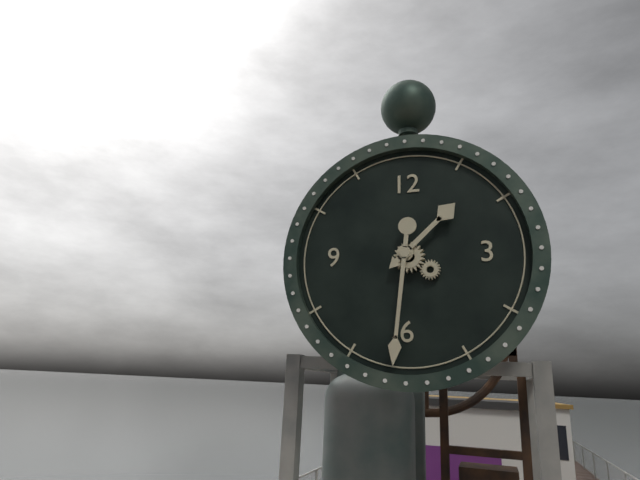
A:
h=1 m=31
